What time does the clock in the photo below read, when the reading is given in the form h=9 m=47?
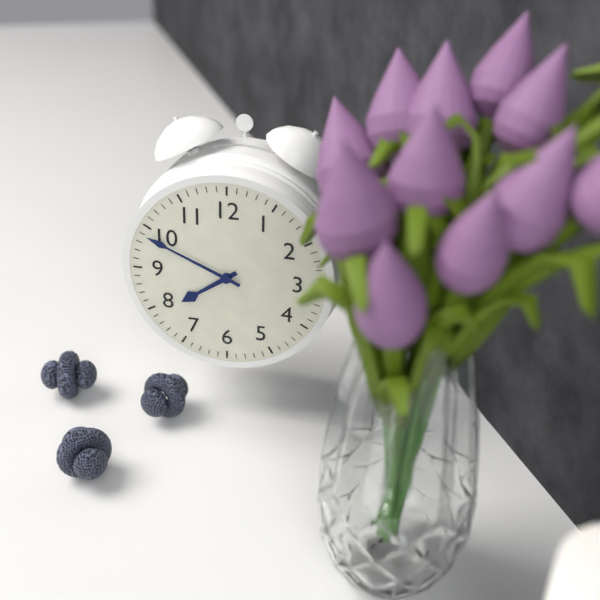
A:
h=7 m=49
